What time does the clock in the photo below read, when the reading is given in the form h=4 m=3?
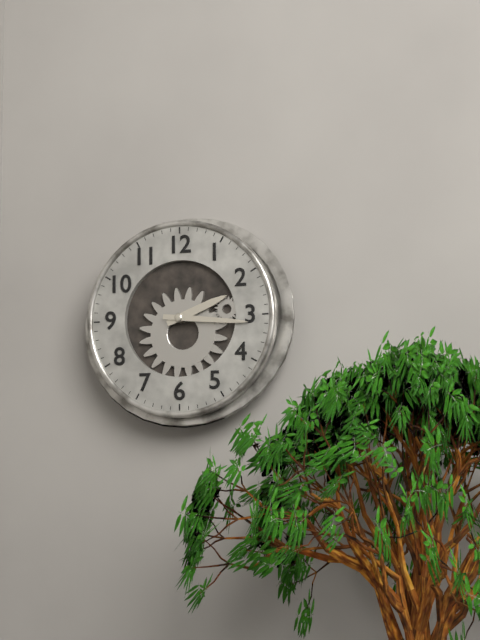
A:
h=2 m=16
